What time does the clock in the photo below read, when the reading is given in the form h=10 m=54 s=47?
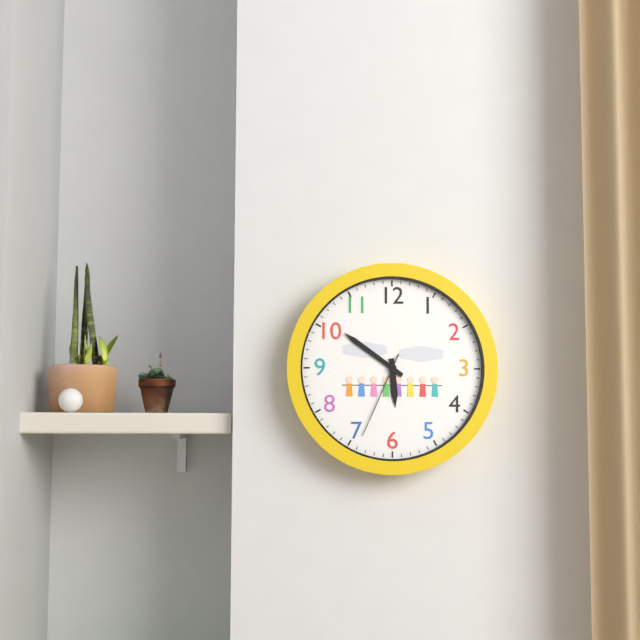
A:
h=5 m=51 s=34
